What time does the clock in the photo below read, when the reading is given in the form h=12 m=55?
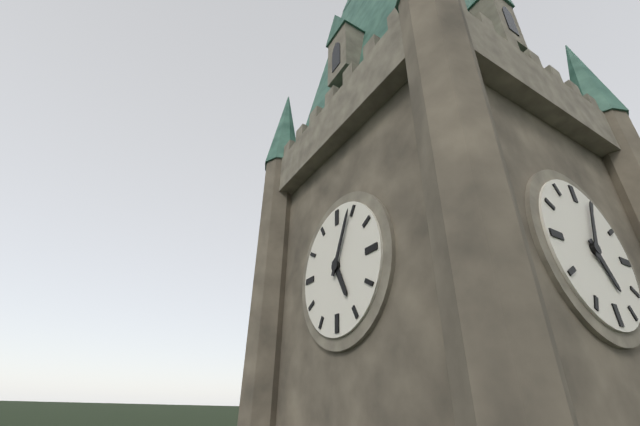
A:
h=5 m=4
